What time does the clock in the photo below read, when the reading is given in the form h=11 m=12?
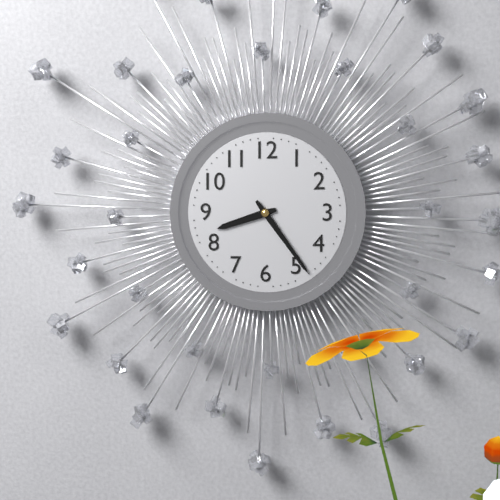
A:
h=8 m=24
